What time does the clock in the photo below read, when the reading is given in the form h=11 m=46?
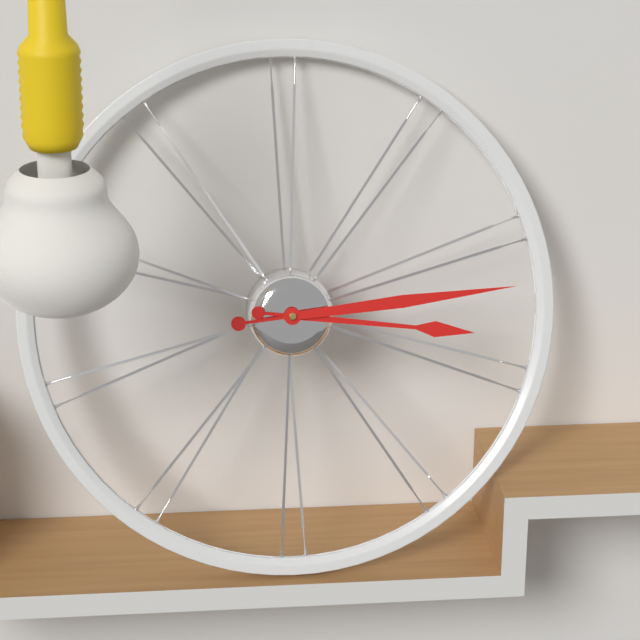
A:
h=3 m=14
